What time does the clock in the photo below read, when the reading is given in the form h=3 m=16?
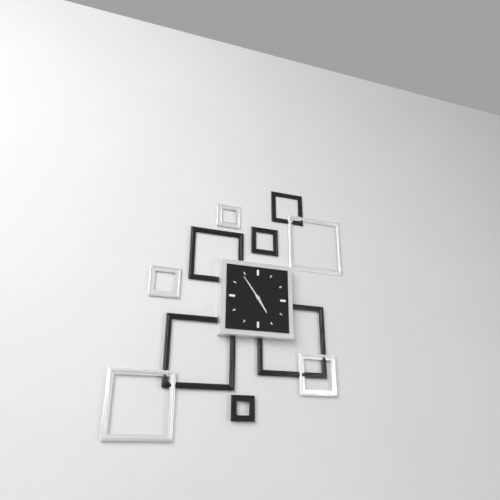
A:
h=4 m=54
